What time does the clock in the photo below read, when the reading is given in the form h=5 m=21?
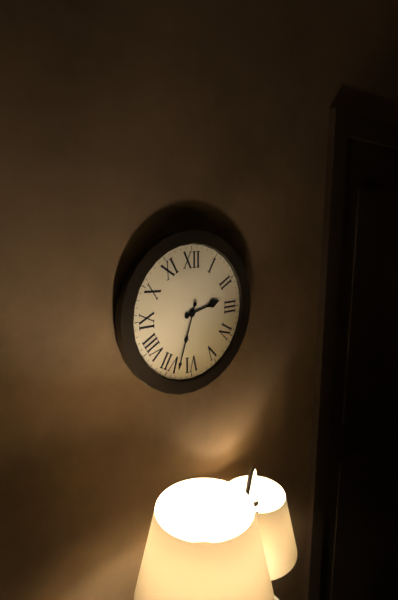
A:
h=2 m=33
